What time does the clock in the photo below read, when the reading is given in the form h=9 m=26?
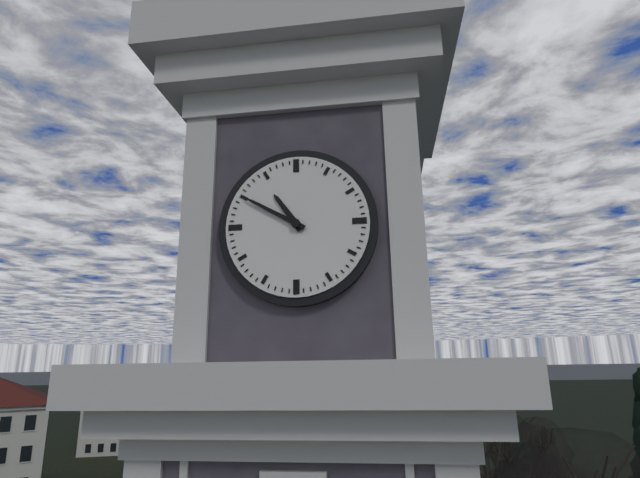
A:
h=10 m=50
